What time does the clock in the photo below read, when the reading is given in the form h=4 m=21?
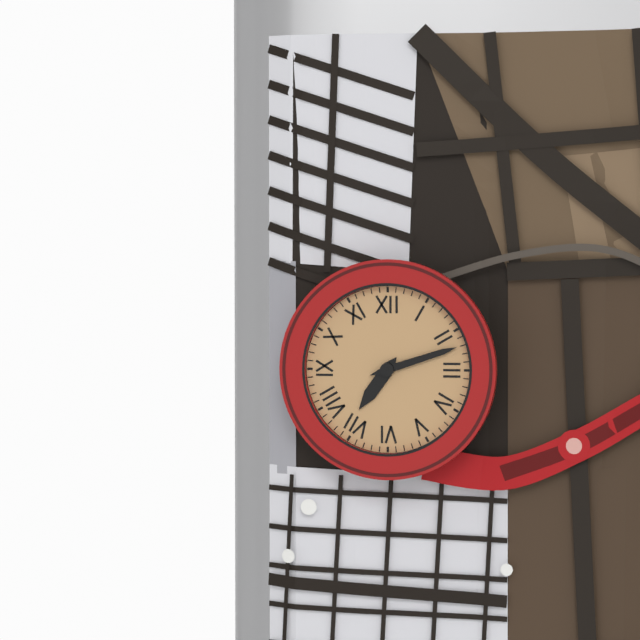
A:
h=7 m=12
